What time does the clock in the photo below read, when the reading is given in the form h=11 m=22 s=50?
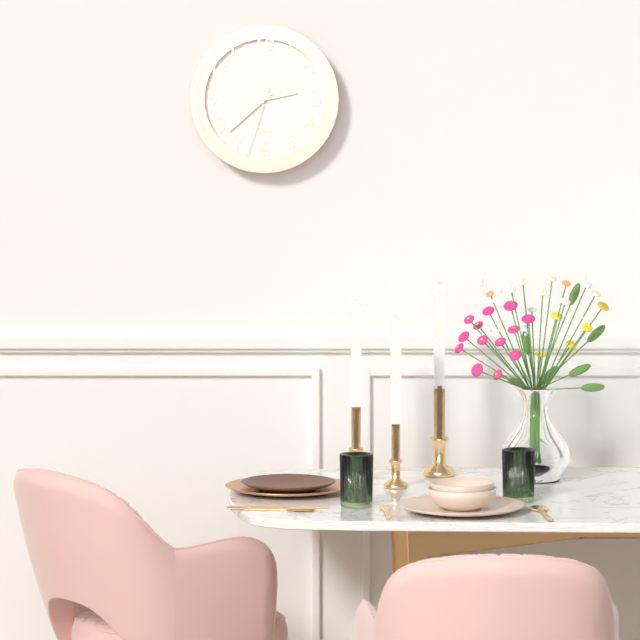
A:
h=2 m=38 s=33
